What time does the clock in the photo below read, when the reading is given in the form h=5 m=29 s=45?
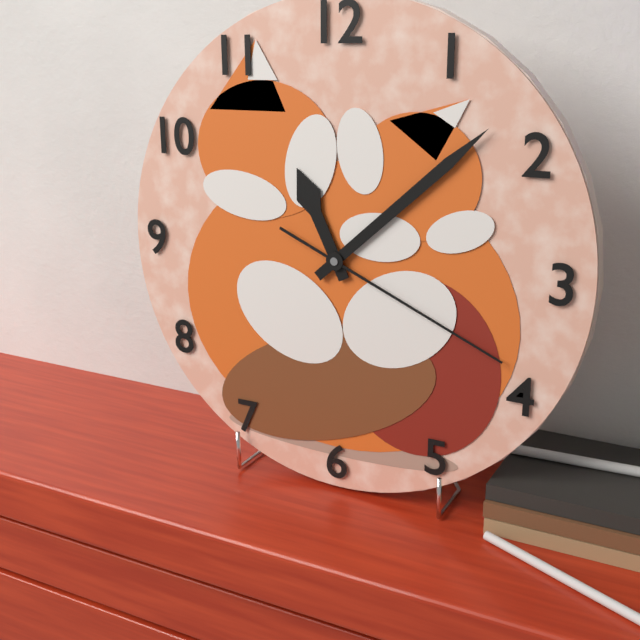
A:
h=11 m=8 s=19
